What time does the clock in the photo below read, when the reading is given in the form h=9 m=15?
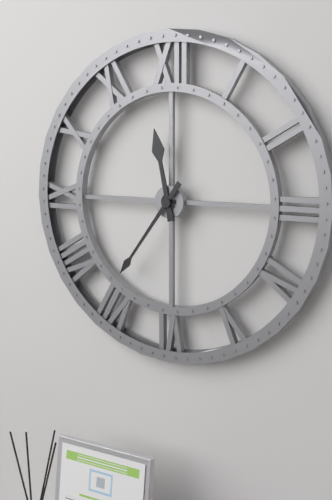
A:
h=11 m=36
